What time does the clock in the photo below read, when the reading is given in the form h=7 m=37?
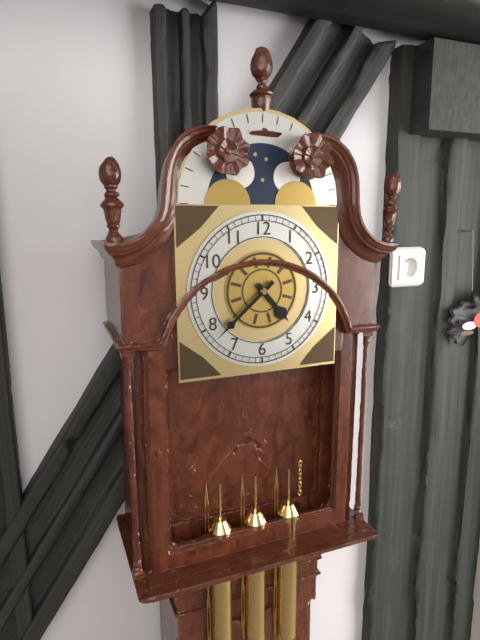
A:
h=4 m=38
